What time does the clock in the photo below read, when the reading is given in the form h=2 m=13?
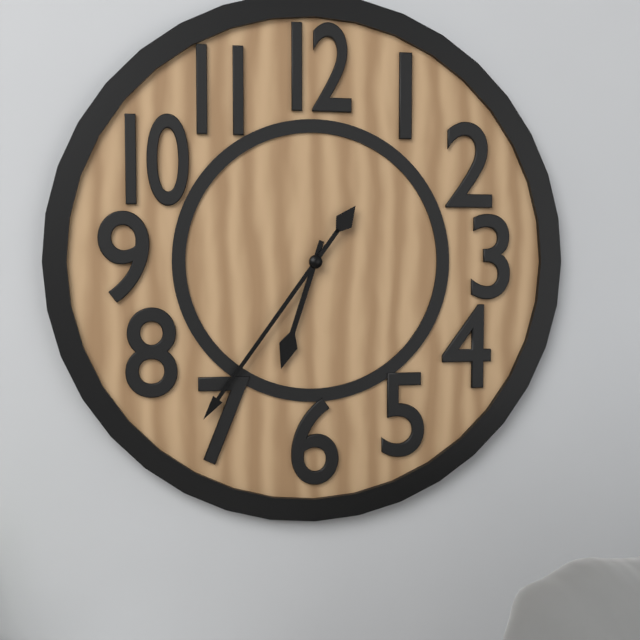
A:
h=6 m=36
